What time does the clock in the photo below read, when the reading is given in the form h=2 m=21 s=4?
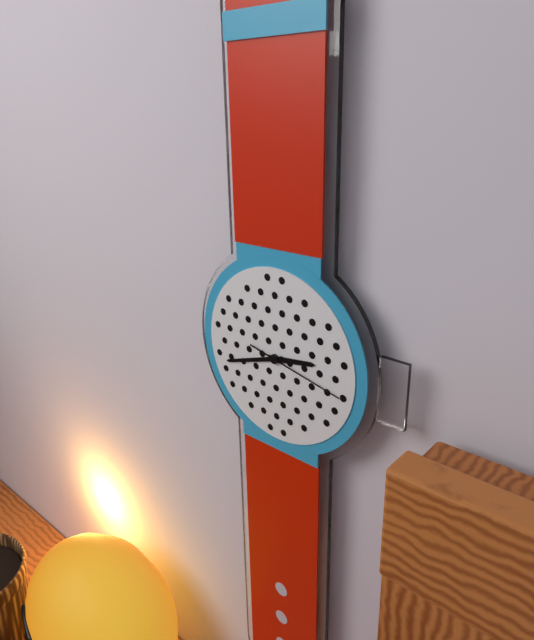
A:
h=2 m=42 s=17
